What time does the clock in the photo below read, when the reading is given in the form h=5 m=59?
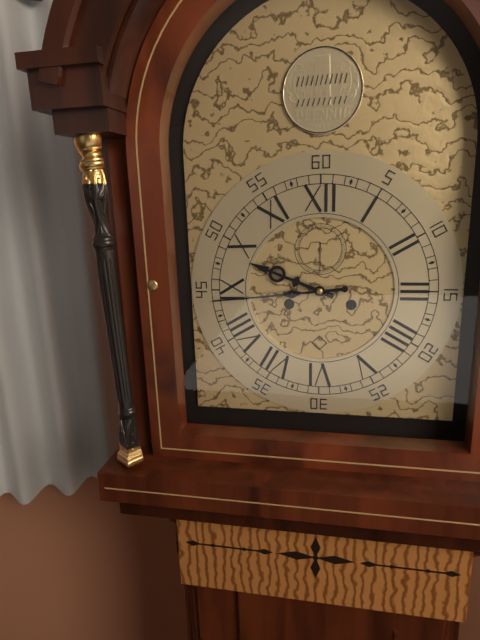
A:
h=9 m=44
